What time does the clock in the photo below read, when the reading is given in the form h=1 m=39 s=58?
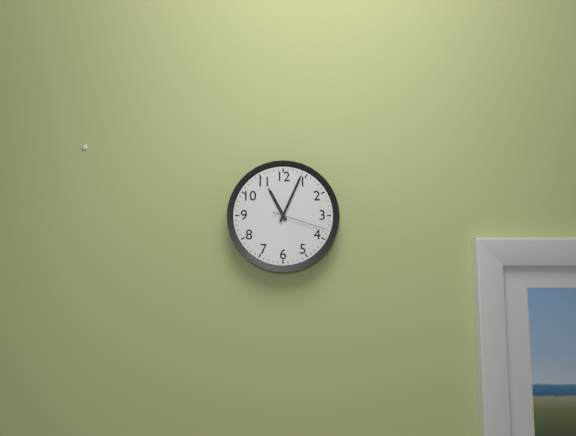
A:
h=11 m=4 s=18
